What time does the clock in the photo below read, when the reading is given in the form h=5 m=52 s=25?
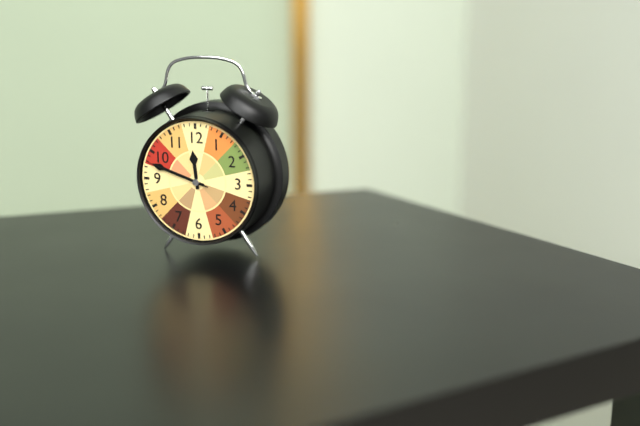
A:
h=11 m=48 s=48
